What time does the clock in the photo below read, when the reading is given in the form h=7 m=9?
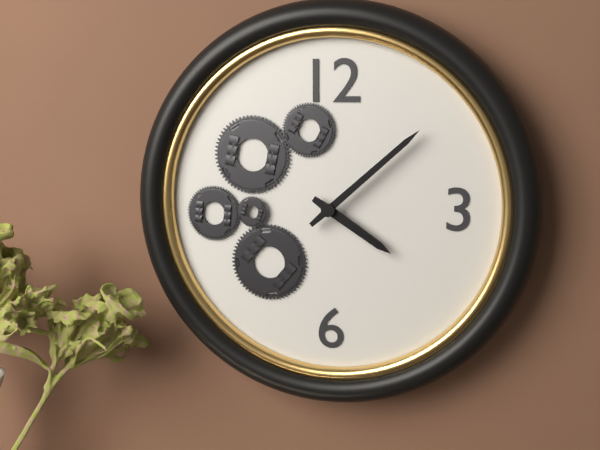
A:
h=4 m=8
